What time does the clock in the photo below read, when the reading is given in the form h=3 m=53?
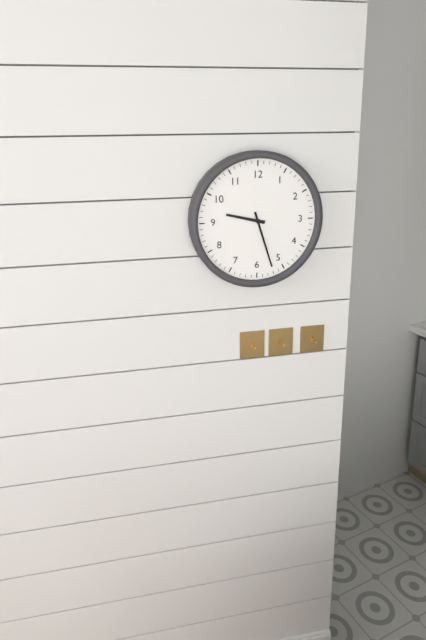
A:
h=9 m=27
